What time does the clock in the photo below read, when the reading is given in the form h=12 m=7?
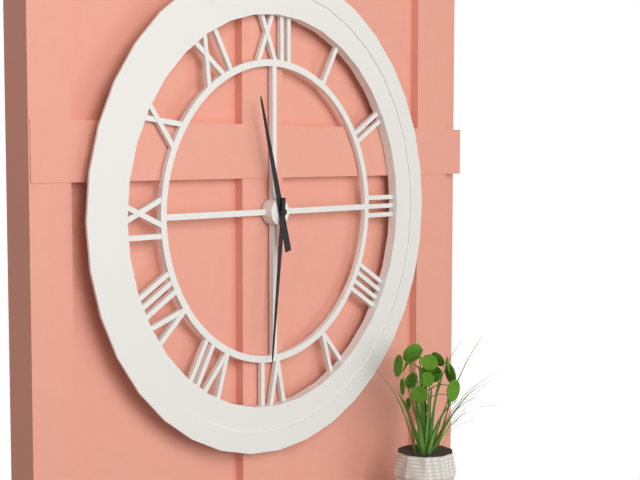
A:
h=11 m=31
